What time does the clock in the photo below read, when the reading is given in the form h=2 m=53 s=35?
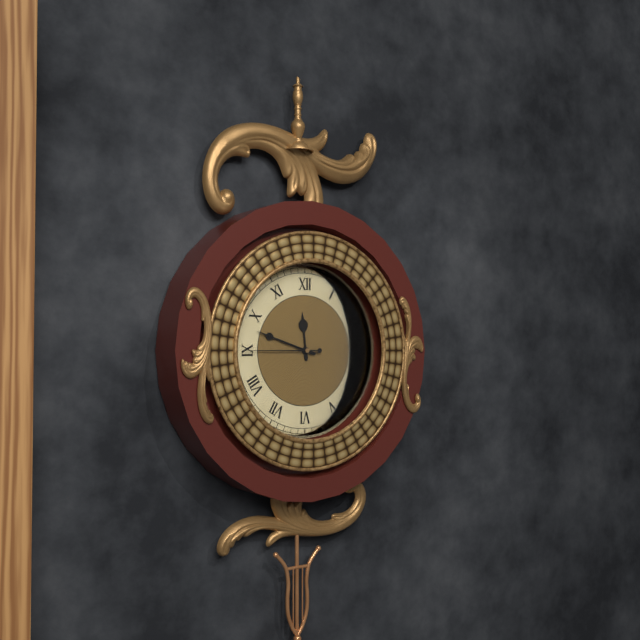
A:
h=11 m=48 s=45
